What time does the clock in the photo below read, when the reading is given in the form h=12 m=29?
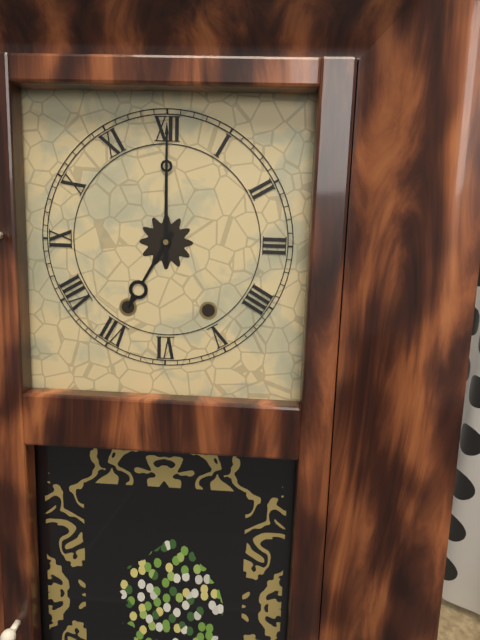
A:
h=7 m=0
